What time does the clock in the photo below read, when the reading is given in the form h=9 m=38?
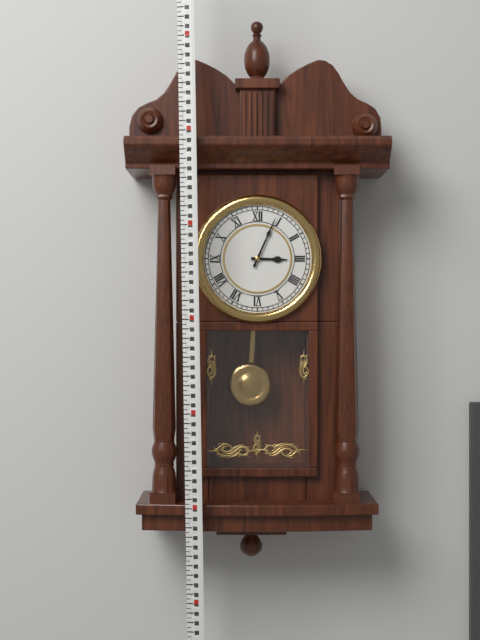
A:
h=3 m=4
